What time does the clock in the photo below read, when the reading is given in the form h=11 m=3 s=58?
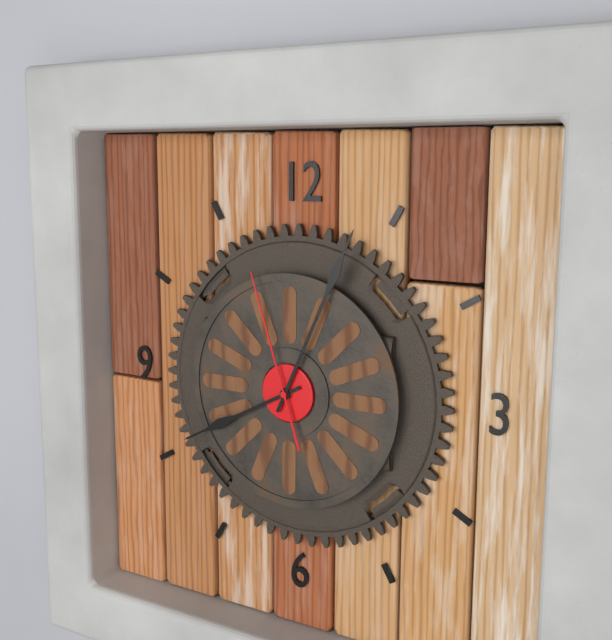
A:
h=8 m=4 s=57
